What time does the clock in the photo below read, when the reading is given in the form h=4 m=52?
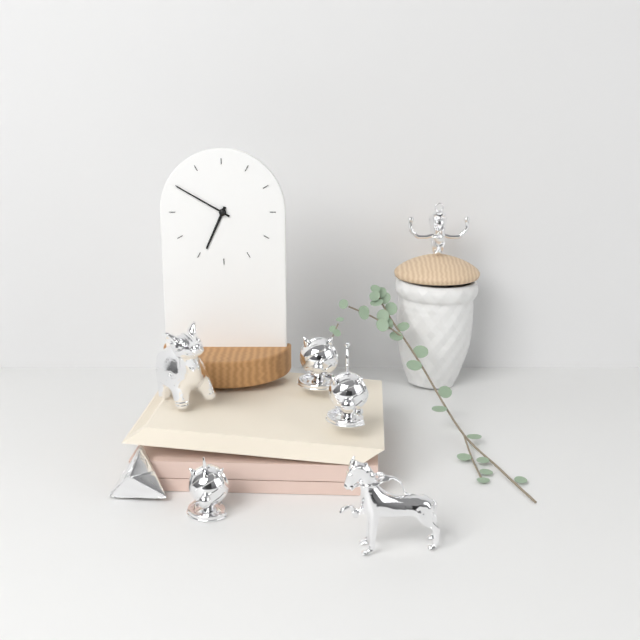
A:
h=6 m=50
